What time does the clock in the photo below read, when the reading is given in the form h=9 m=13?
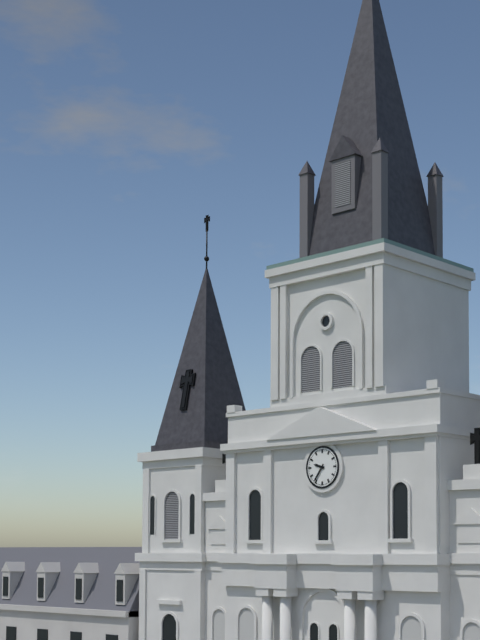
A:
h=9 m=36
